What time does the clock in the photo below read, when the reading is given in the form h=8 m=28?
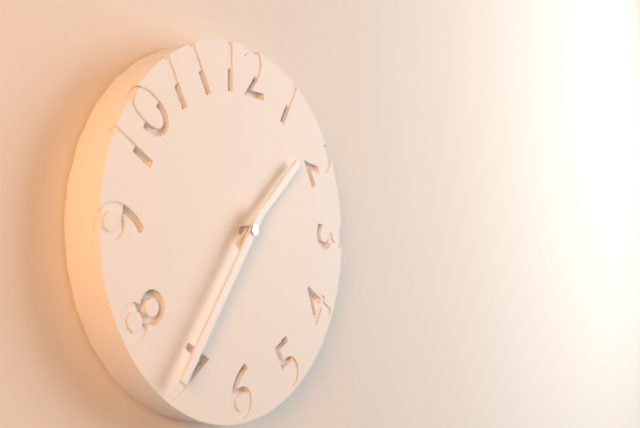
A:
h=1 m=36
